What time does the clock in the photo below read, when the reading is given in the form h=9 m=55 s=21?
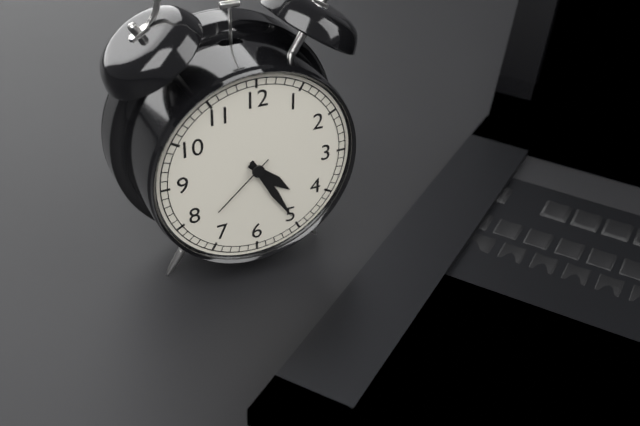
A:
h=4 m=25 s=38
